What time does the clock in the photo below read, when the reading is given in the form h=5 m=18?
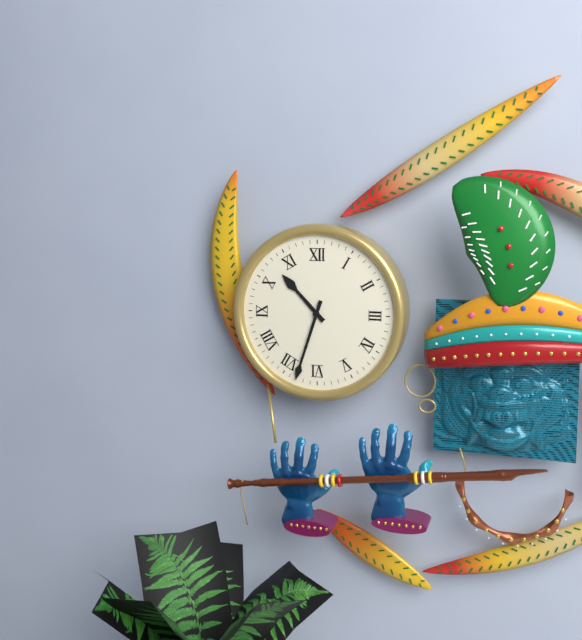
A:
h=10 m=33
